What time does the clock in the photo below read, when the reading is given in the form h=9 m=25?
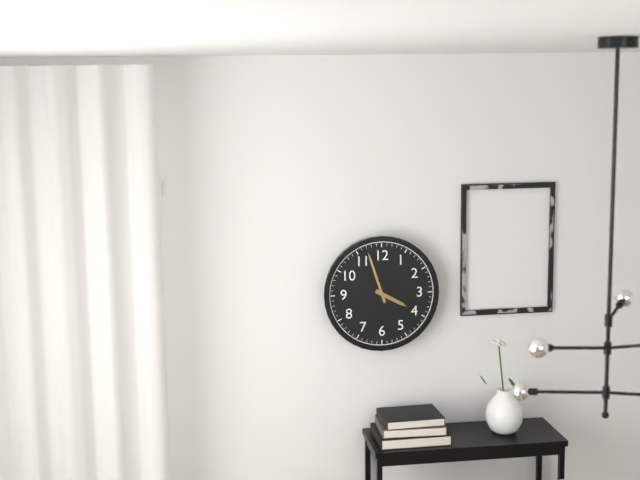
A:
h=3 m=57
